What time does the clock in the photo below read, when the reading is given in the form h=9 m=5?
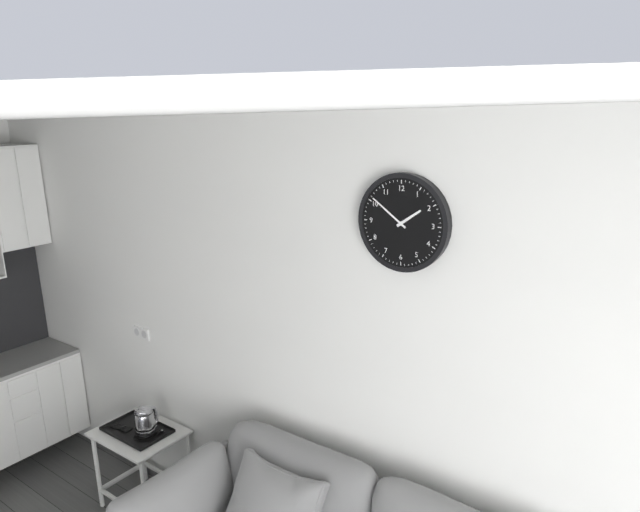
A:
h=1 m=51
